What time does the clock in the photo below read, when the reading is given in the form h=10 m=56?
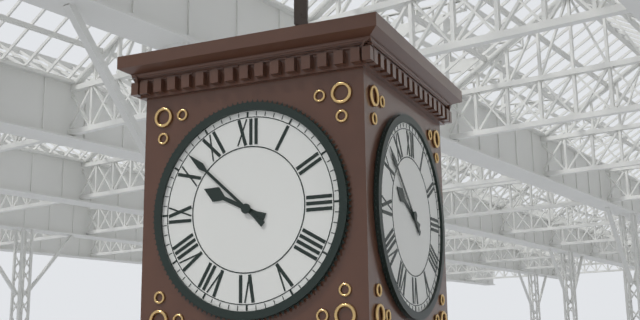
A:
h=9 m=52
